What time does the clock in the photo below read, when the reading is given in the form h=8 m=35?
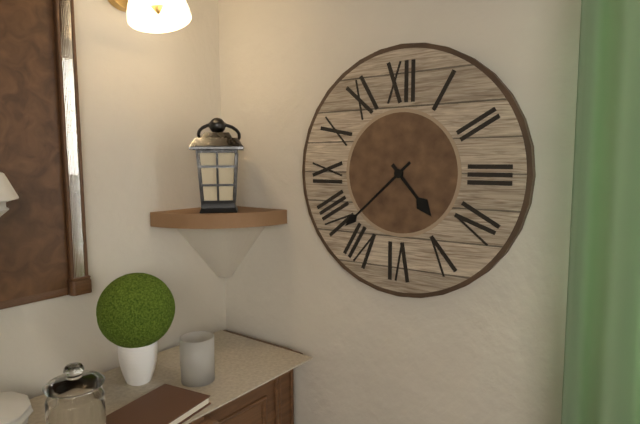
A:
h=4 m=38
